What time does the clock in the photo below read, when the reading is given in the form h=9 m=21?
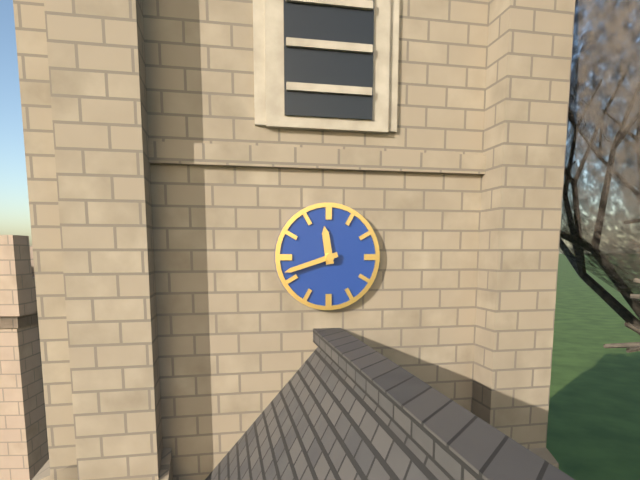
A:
h=11 m=42
